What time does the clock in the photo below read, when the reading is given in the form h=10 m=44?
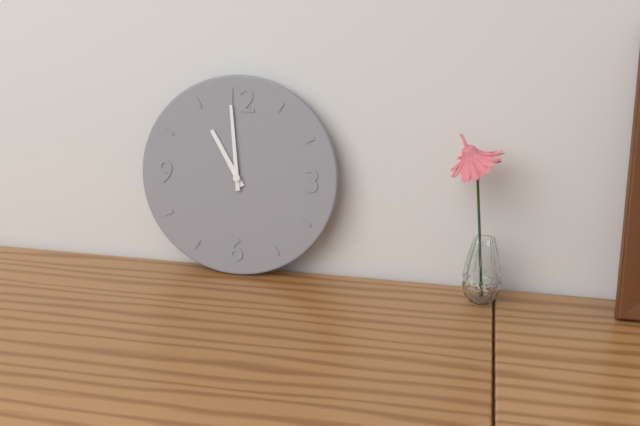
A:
h=10 m=59
